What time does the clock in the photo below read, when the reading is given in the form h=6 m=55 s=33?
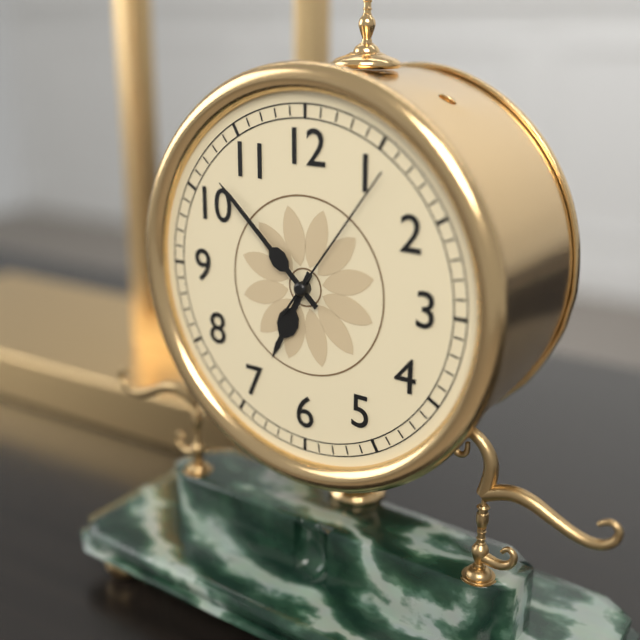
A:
h=6 m=52 s=6
